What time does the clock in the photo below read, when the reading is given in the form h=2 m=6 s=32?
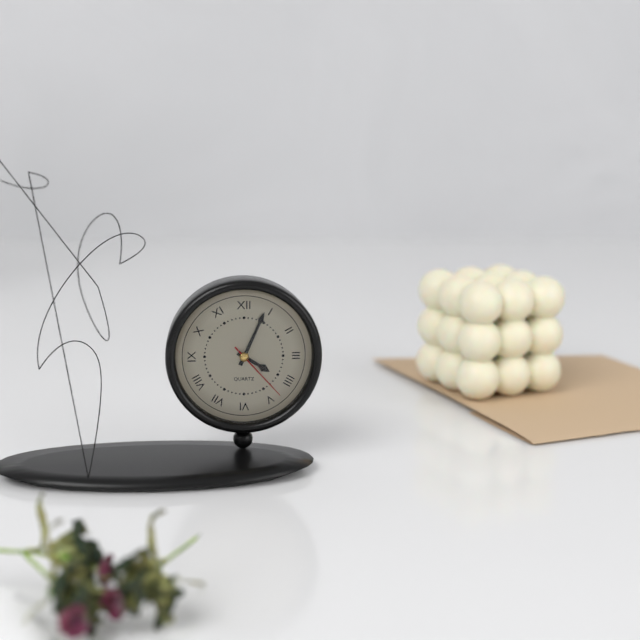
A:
h=4 m=4 s=23
